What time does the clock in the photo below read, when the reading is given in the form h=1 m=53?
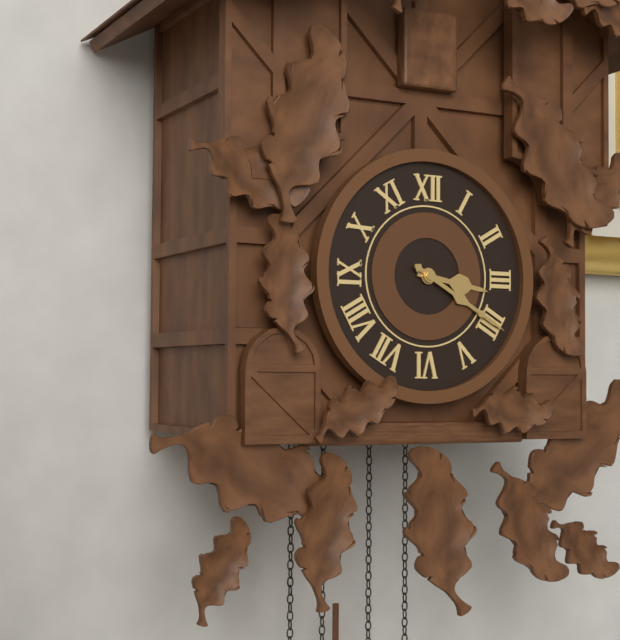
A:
h=3 m=20
